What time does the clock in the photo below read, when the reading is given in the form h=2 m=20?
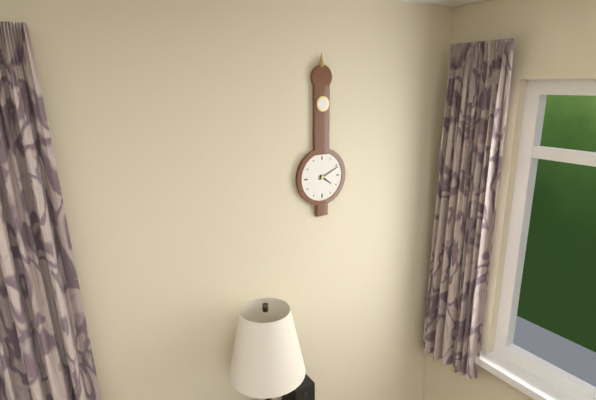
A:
h=4 m=11
